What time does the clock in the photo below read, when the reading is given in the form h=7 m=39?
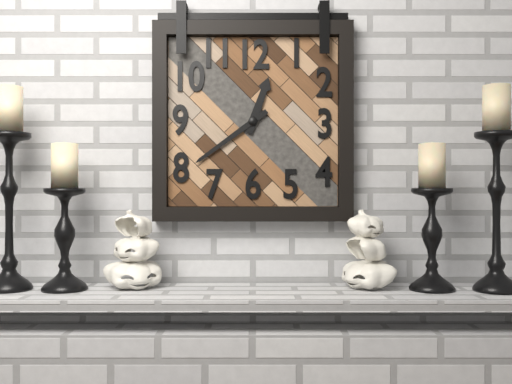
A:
h=12 m=39
